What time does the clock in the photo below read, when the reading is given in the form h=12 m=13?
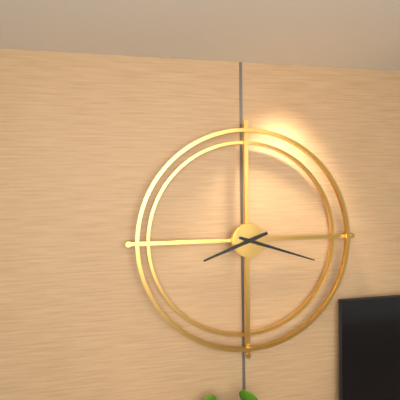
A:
h=8 m=18
